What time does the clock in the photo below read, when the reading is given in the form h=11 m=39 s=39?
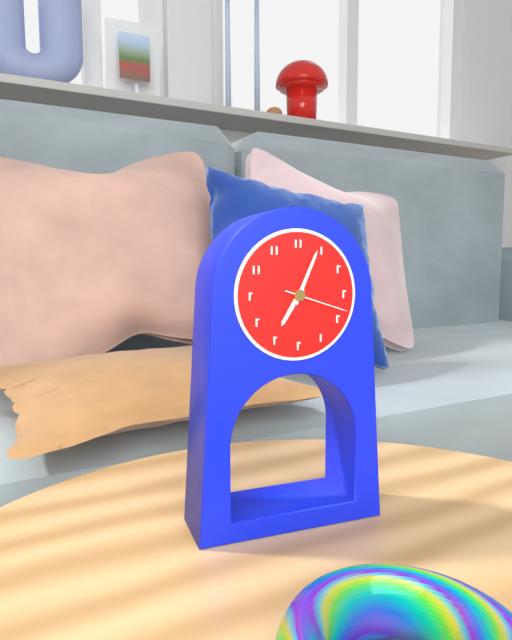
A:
h=7 m=4 s=18
